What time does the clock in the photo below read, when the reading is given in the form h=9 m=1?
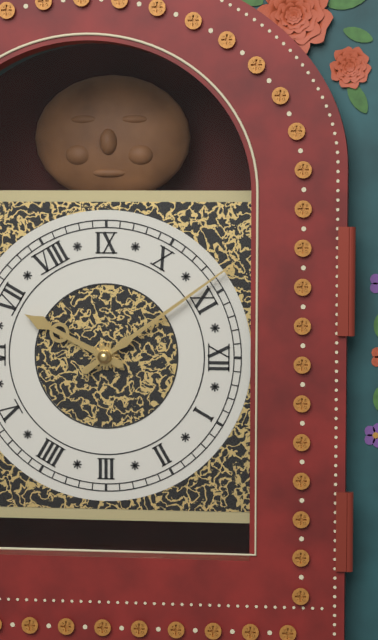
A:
h=6 m=54
